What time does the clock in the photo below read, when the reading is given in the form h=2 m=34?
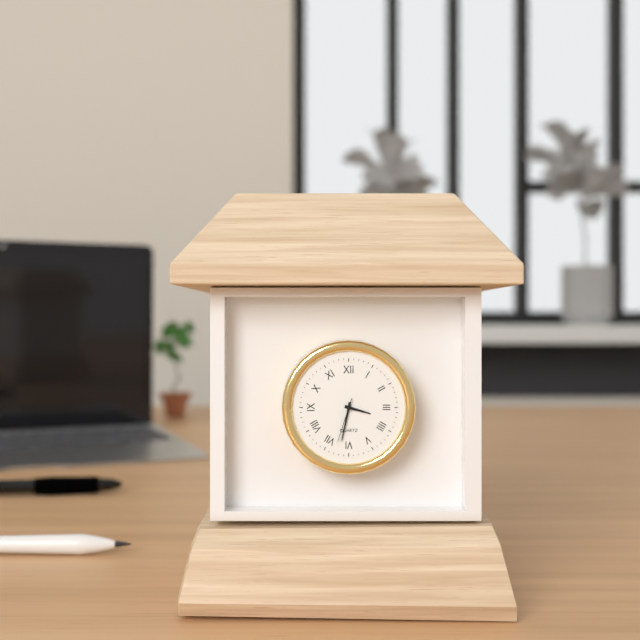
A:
h=3 m=32
